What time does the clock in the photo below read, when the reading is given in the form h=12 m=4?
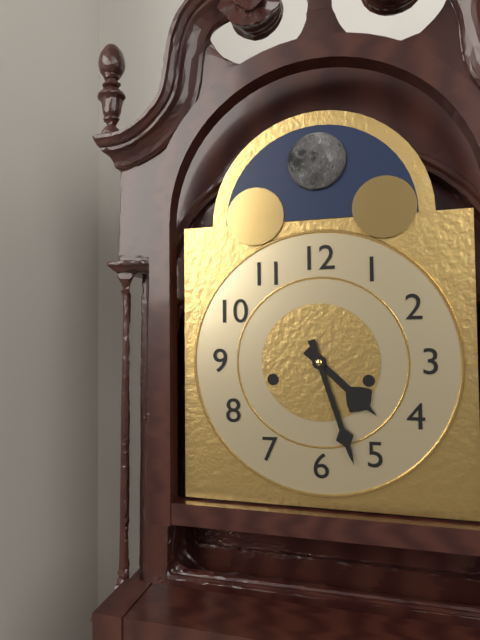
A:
h=4 m=27
